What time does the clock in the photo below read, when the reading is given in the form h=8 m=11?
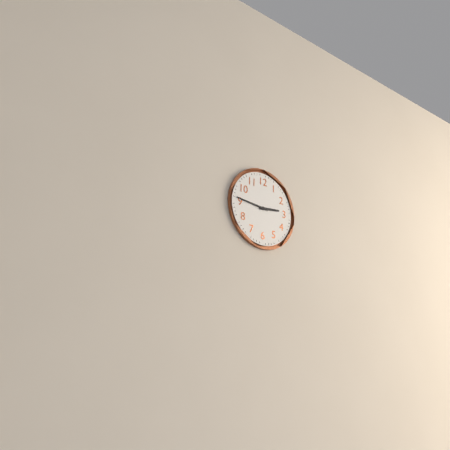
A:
h=2 m=46
